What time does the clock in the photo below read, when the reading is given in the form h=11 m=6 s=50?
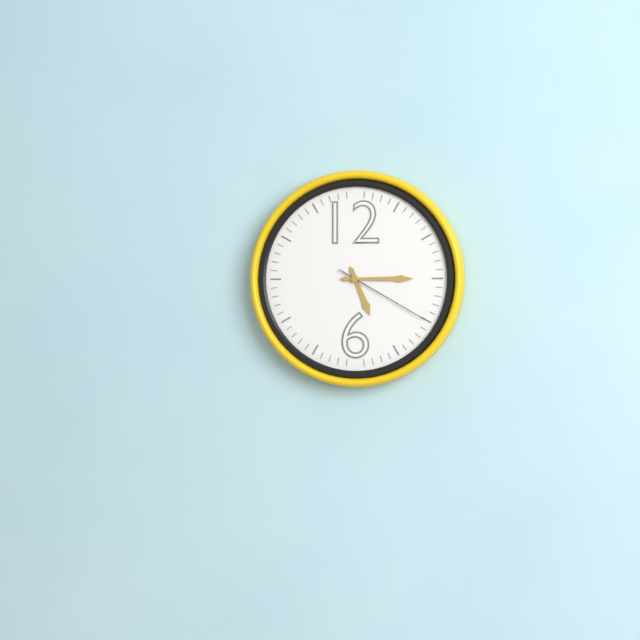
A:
h=5 m=15 s=20
